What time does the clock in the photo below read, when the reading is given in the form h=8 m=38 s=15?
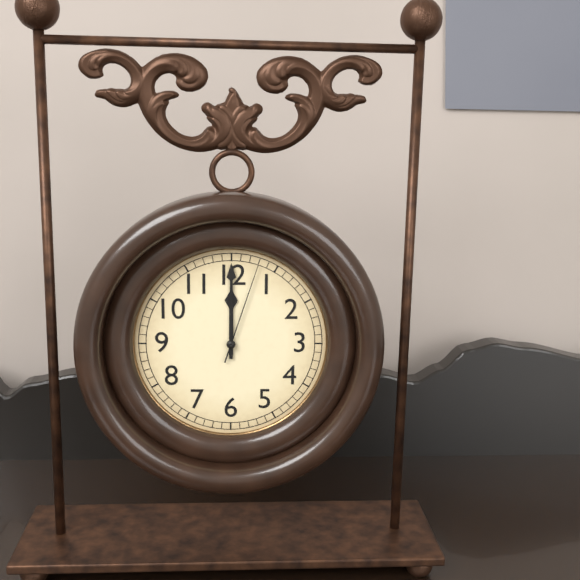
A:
h=12 m=0 s=3
